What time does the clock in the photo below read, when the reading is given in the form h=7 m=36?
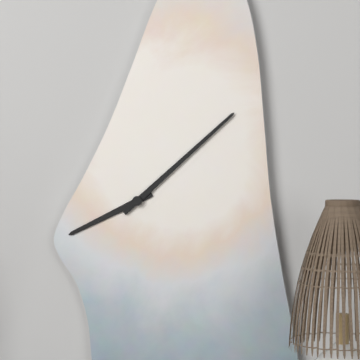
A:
h=8 m=8
